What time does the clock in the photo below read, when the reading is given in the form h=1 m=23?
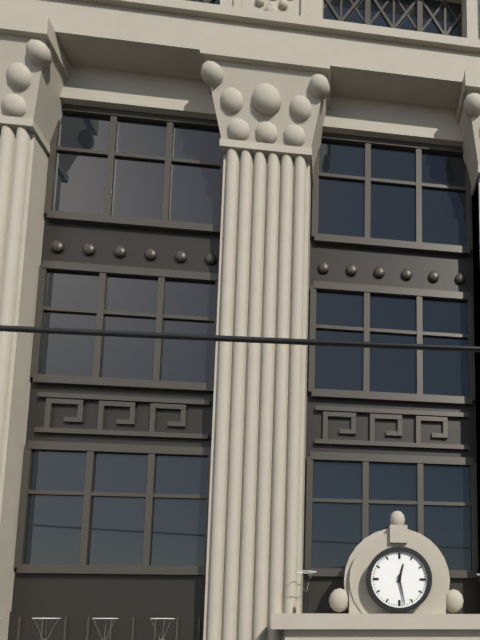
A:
h=12 m=28
